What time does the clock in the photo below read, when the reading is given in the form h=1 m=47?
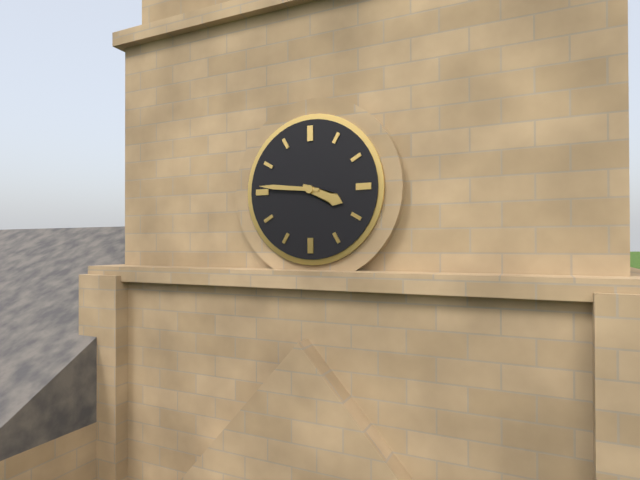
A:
h=3 m=46
